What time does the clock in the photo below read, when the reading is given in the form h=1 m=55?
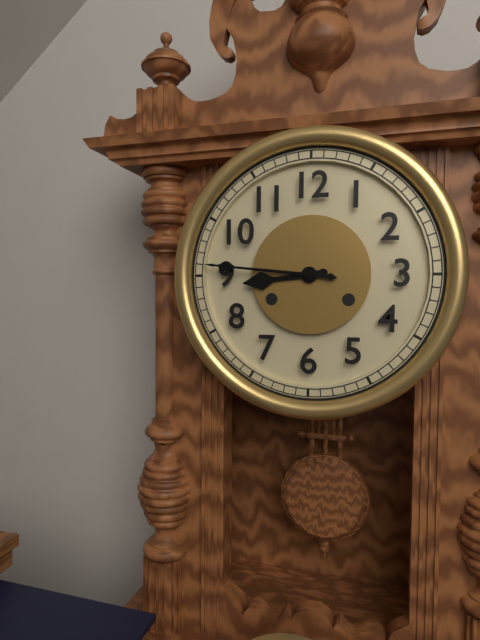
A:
h=8 m=46
